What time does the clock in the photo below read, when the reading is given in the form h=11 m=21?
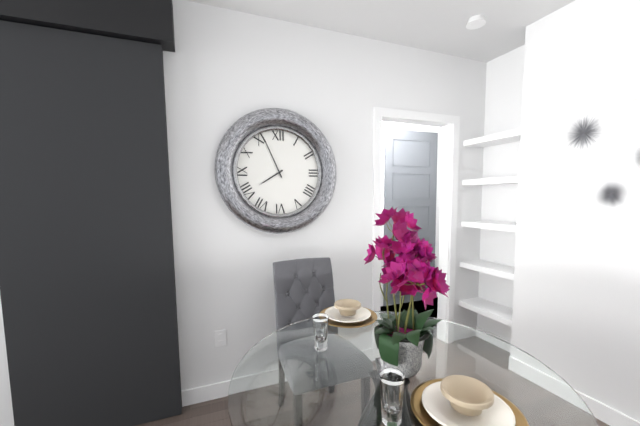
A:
h=7 m=56
